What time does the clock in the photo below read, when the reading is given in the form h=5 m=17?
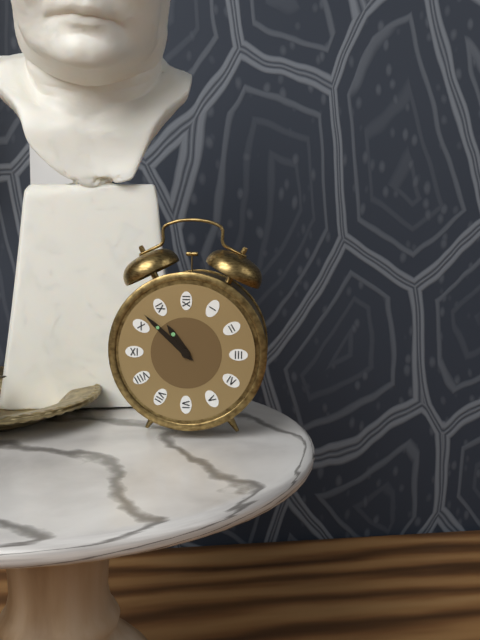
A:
h=10 m=52
